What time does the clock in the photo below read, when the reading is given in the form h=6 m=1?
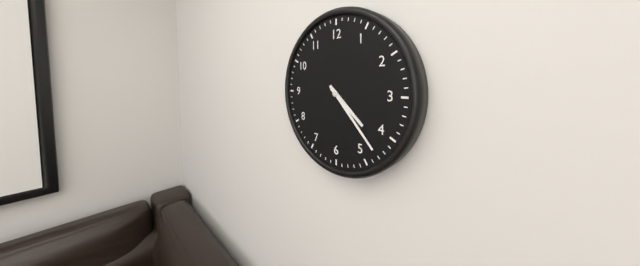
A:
h=4 m=23
